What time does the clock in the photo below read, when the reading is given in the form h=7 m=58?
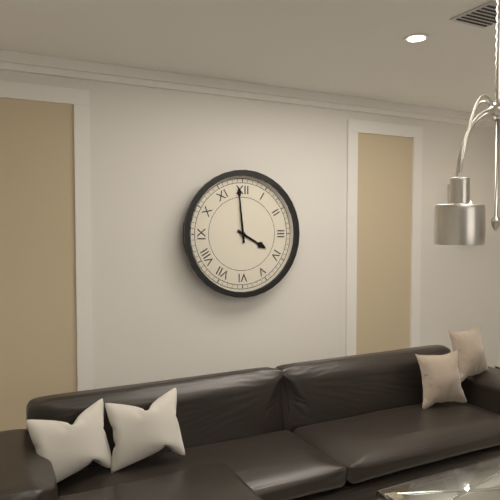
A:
h=3 m=59
